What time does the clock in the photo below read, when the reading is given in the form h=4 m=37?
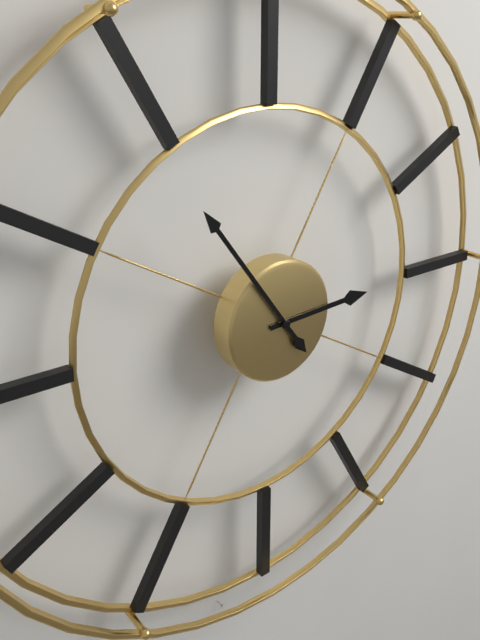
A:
h=2 m=54
